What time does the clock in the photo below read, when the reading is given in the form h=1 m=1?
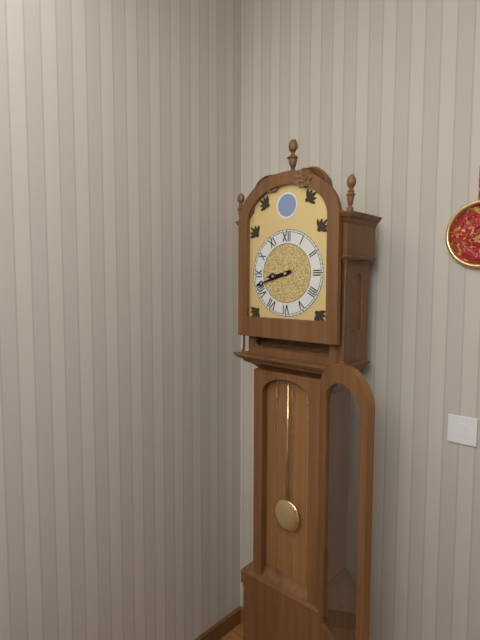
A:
h=8 m=42
